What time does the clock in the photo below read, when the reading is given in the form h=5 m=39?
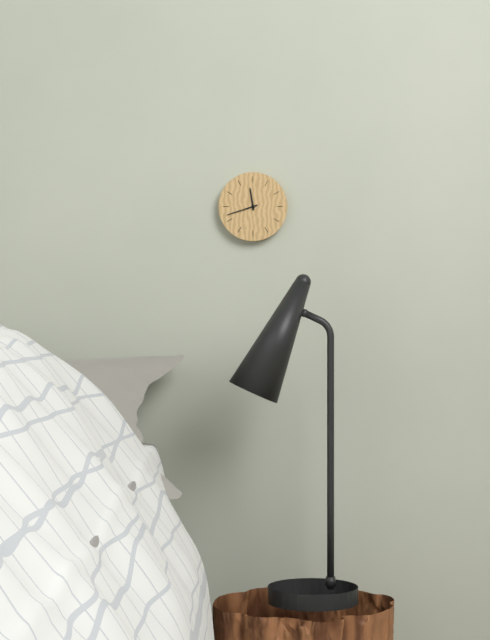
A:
h=11 m=42
